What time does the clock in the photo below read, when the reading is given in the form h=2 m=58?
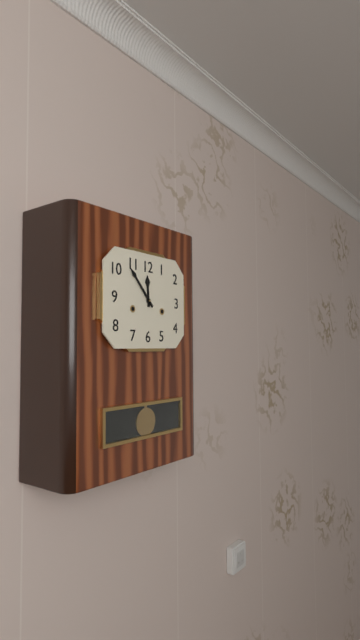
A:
h=11 m=53
